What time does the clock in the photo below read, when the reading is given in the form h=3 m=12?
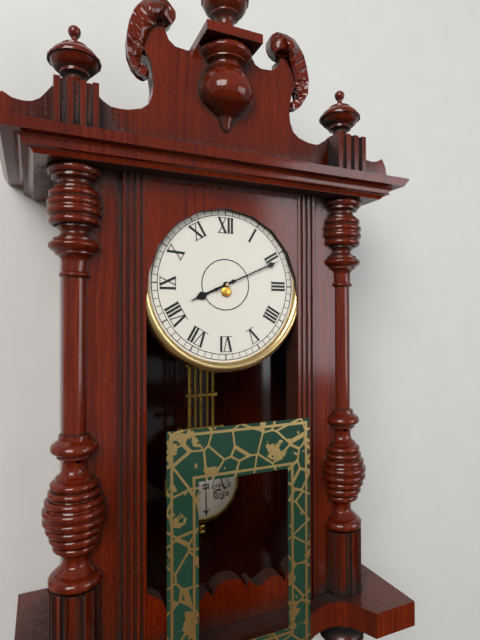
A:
h=8 m=11
